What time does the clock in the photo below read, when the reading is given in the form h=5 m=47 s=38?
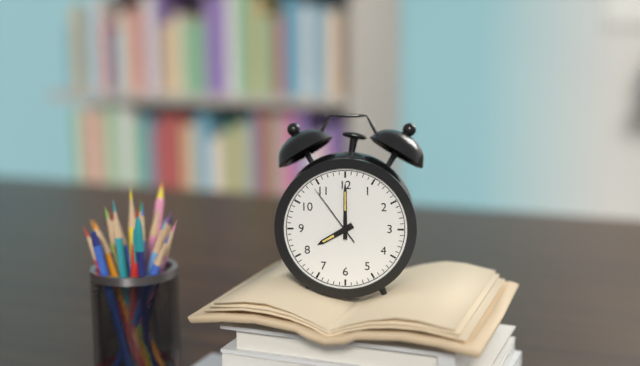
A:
h=8 m=0 s=54
